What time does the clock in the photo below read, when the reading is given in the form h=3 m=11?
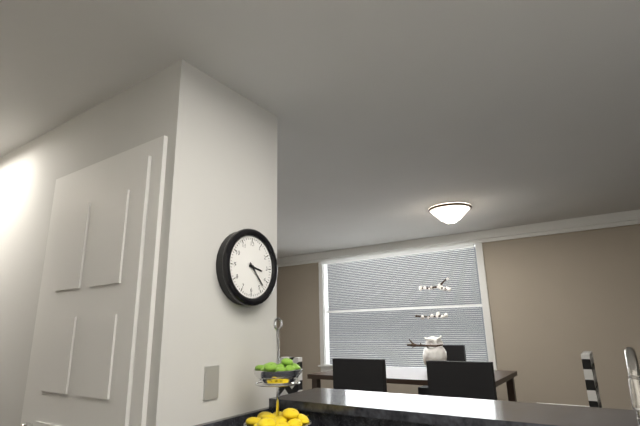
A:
h=3 m=23
